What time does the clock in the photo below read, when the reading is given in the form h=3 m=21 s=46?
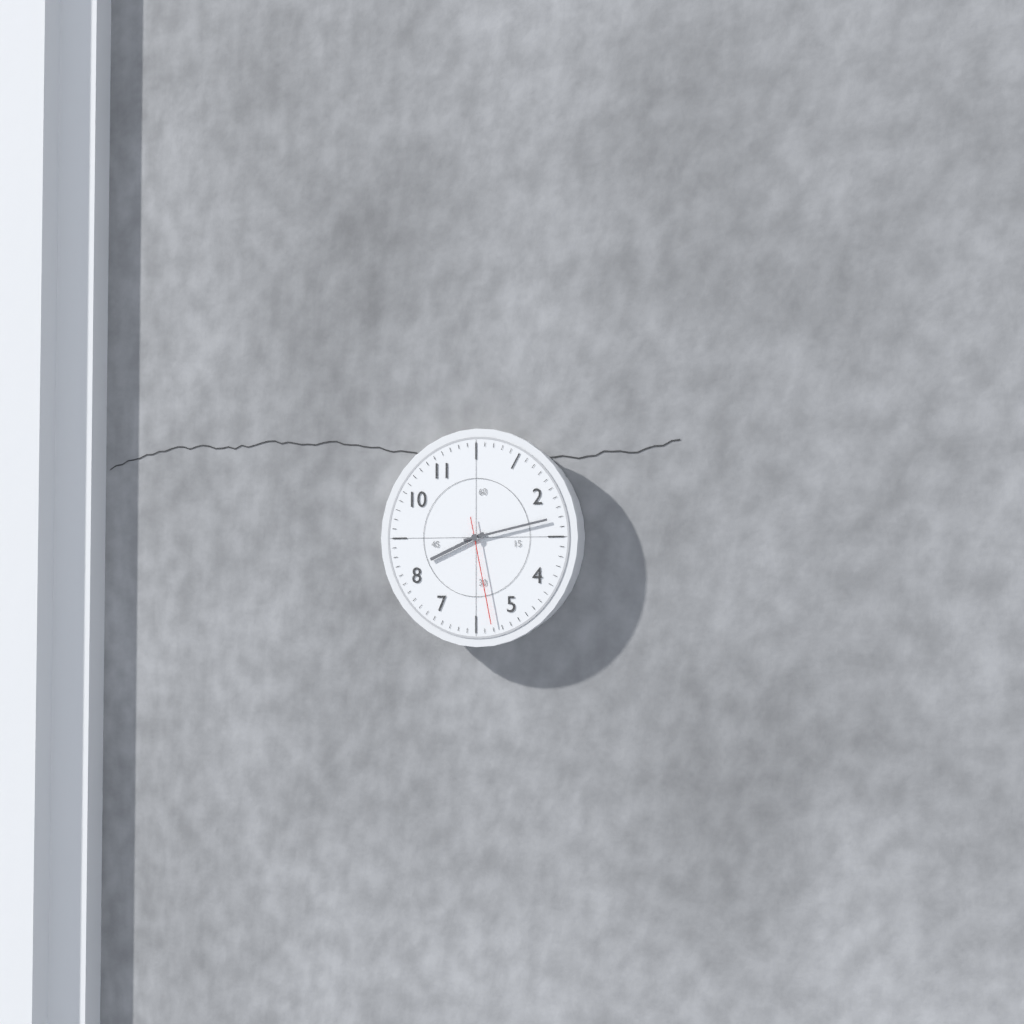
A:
h=8 m=13 s=28
